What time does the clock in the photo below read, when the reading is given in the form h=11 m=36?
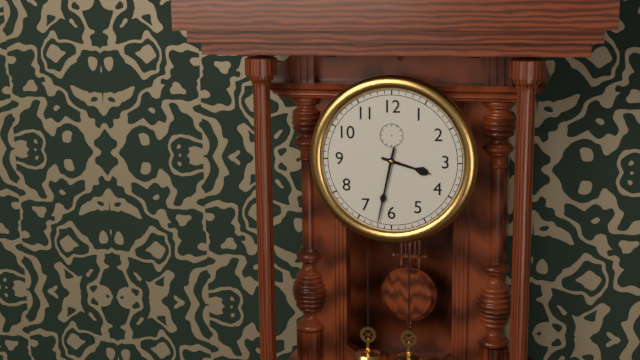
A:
h=3 m=32
